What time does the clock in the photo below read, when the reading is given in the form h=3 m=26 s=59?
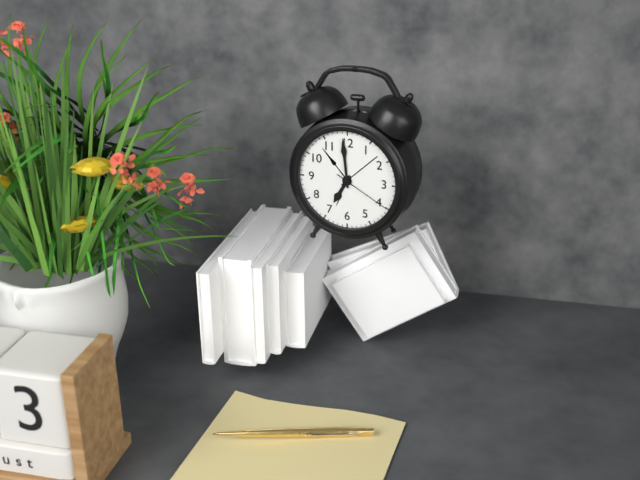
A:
h=6 m=59 s=20
